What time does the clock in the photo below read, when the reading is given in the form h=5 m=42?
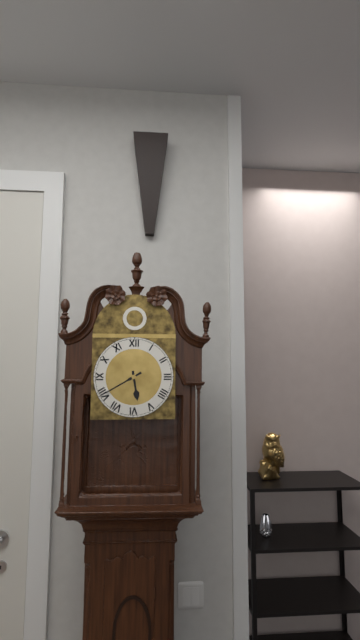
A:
h=5 m=40
